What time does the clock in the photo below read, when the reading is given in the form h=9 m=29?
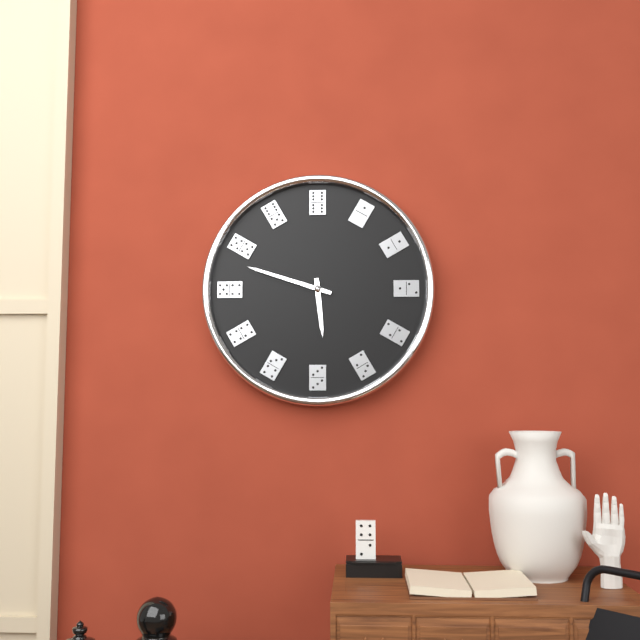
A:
h=5 m=48
